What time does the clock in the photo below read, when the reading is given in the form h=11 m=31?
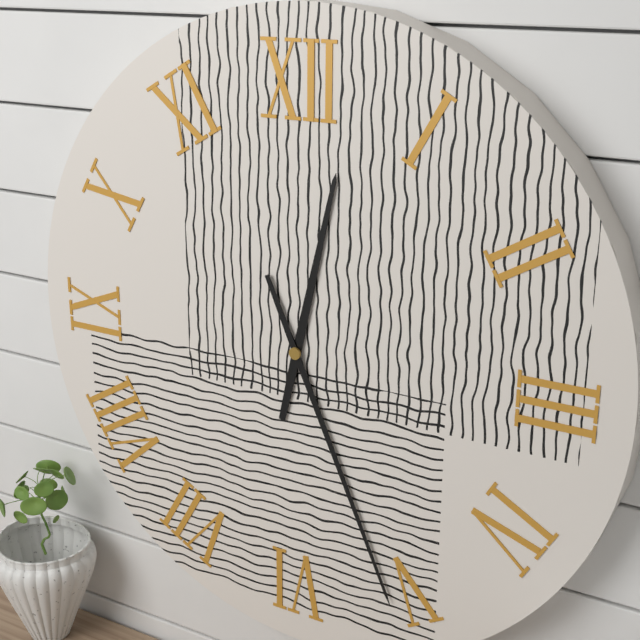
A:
h=12 m=26
